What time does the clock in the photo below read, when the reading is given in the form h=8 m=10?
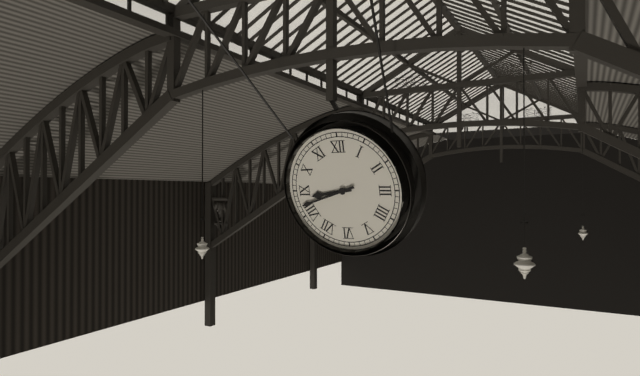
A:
h=8 m=42
